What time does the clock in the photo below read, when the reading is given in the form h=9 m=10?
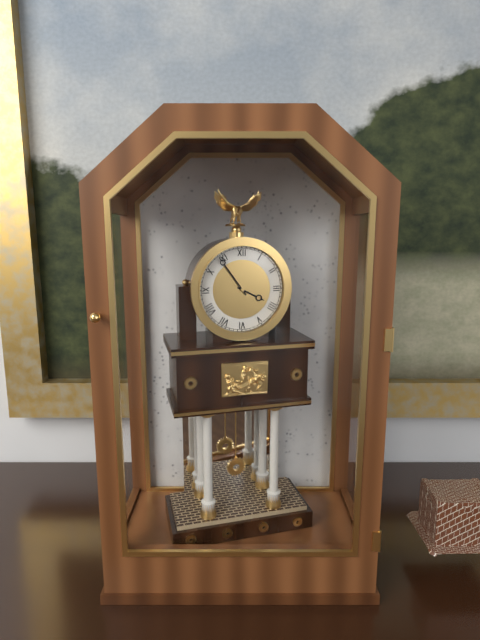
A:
h=3 m=54
